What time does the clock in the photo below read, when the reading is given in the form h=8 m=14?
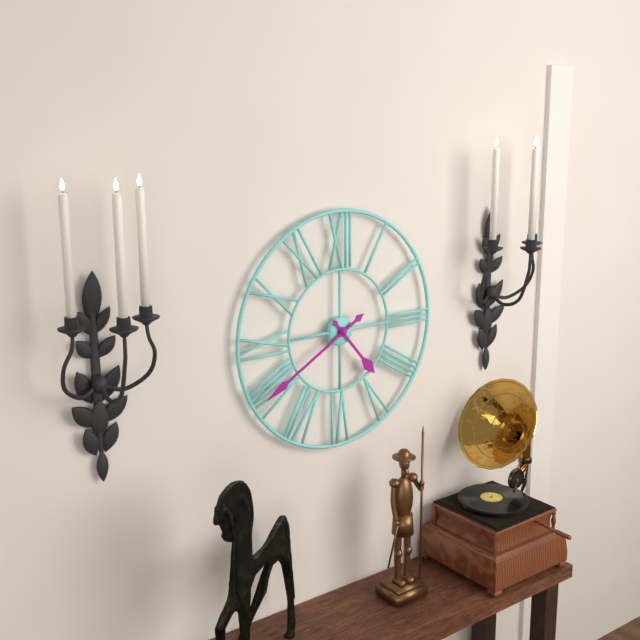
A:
h=4 m=40
